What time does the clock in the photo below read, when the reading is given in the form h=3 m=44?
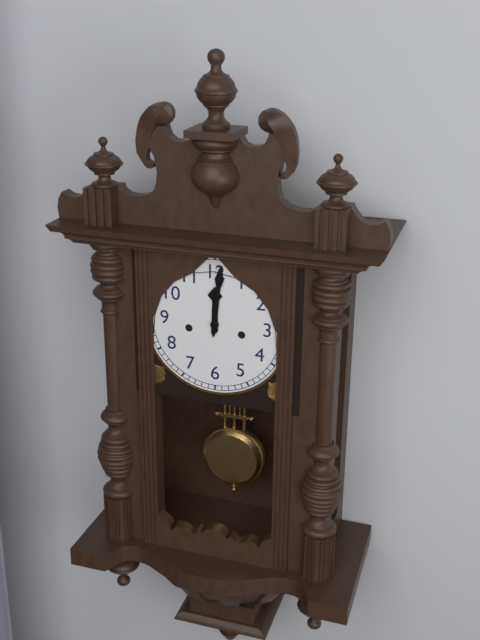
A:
h=12 m=1
